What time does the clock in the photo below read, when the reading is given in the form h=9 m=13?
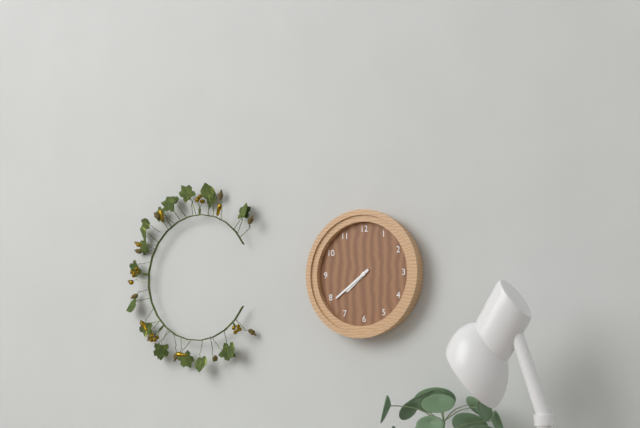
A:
h=7 m=39
